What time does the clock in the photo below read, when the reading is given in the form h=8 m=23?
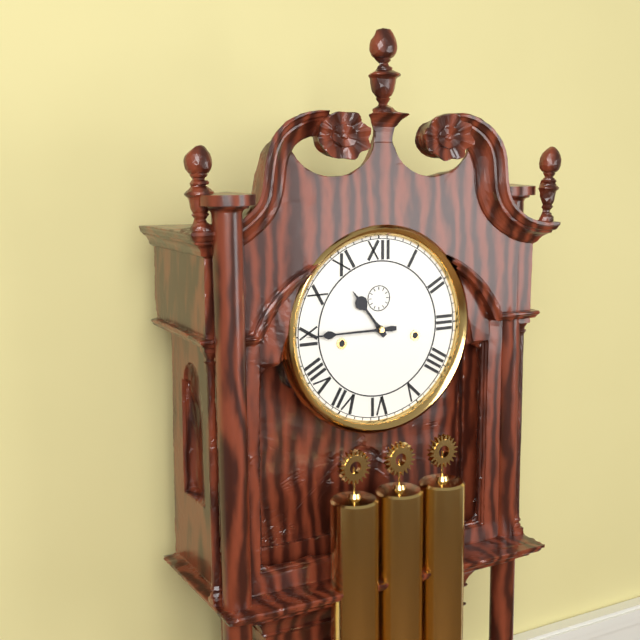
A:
h=10 m=45
